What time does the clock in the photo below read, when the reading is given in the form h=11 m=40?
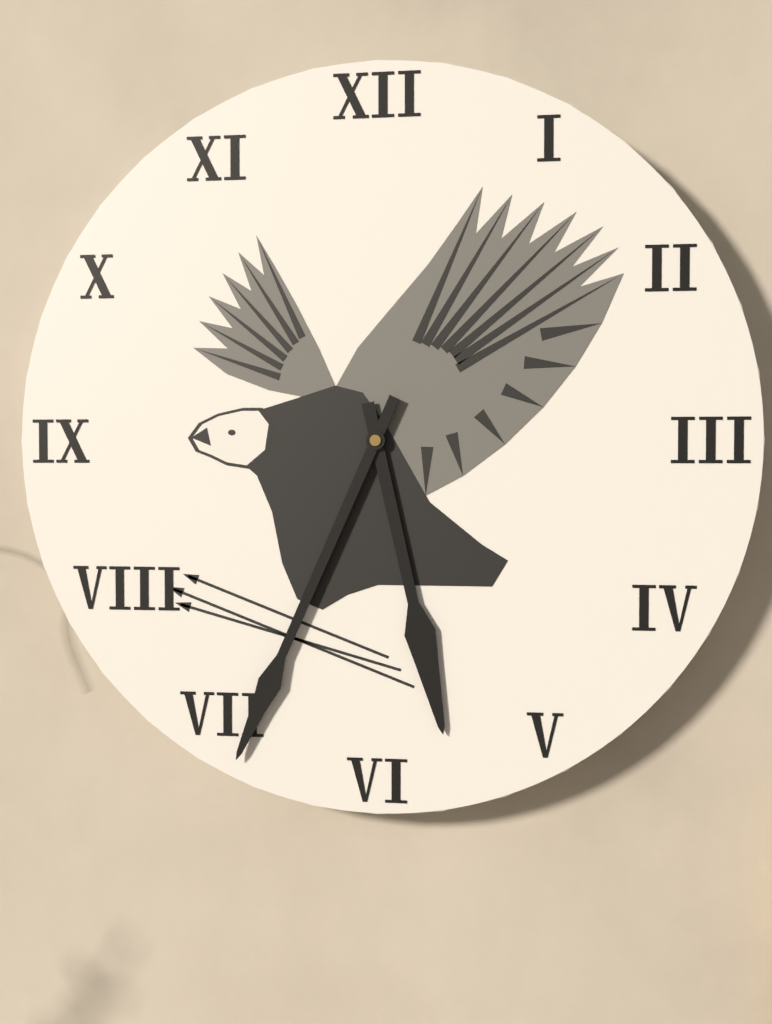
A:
h=5 m=34
